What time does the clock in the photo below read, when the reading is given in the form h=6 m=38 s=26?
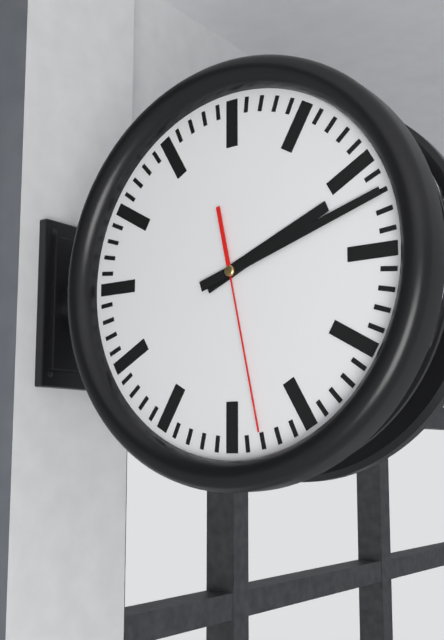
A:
h=2 m=12 s=28
